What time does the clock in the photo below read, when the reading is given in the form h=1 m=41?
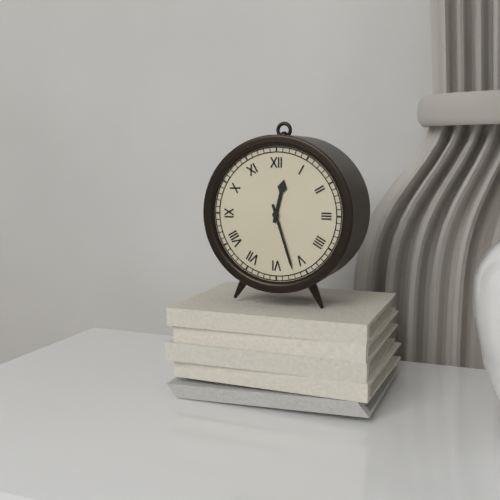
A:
h=12 m=27
